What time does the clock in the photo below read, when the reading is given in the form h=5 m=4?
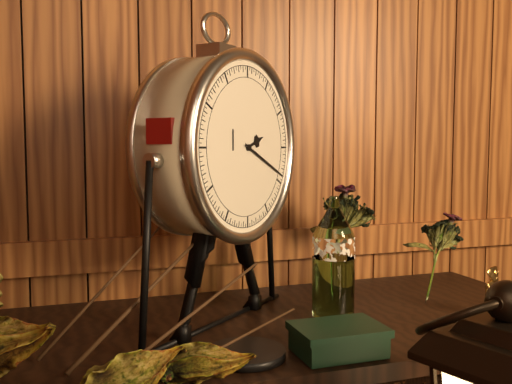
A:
h=2 m=19
